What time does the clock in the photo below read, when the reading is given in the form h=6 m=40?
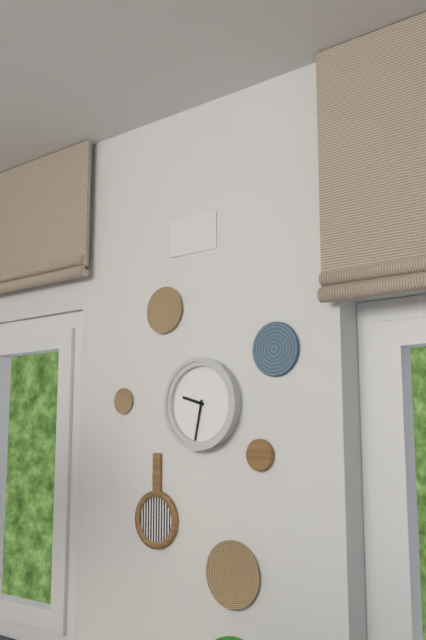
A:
h=9 m=32
